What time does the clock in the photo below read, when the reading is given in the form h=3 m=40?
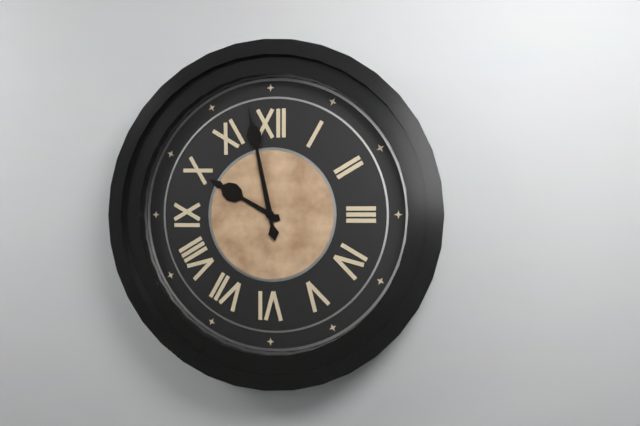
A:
h=9 m=58
